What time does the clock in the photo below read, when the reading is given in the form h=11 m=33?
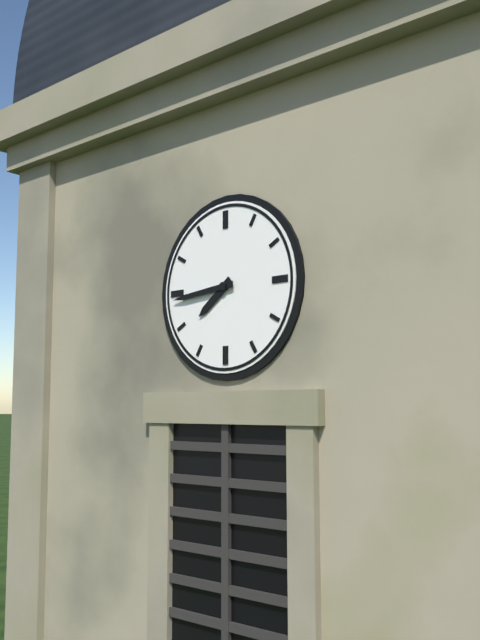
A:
h=7 m=44
